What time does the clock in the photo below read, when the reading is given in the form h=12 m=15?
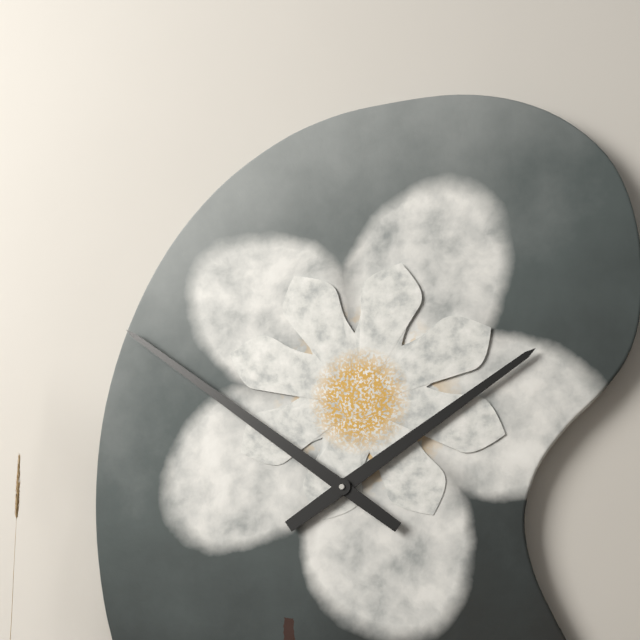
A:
h=1 m=51
